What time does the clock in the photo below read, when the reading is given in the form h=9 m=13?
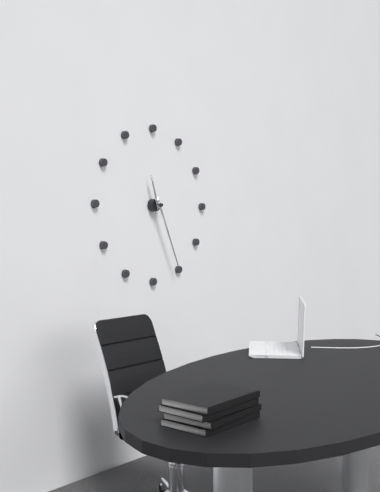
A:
h=11 m=26
